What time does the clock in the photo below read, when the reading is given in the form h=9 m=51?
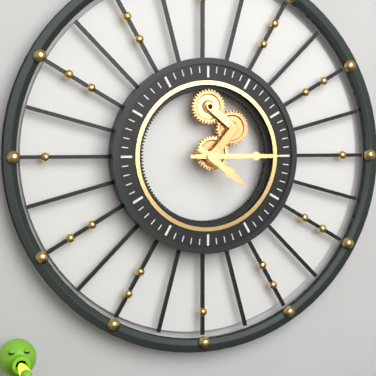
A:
h=4 m=15
